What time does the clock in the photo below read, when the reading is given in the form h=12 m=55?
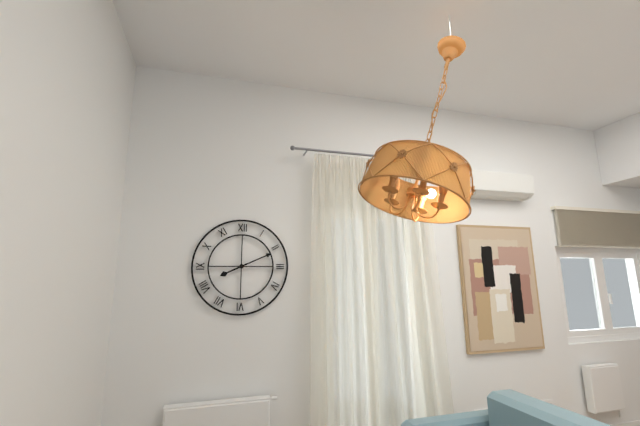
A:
h=8 m=11
